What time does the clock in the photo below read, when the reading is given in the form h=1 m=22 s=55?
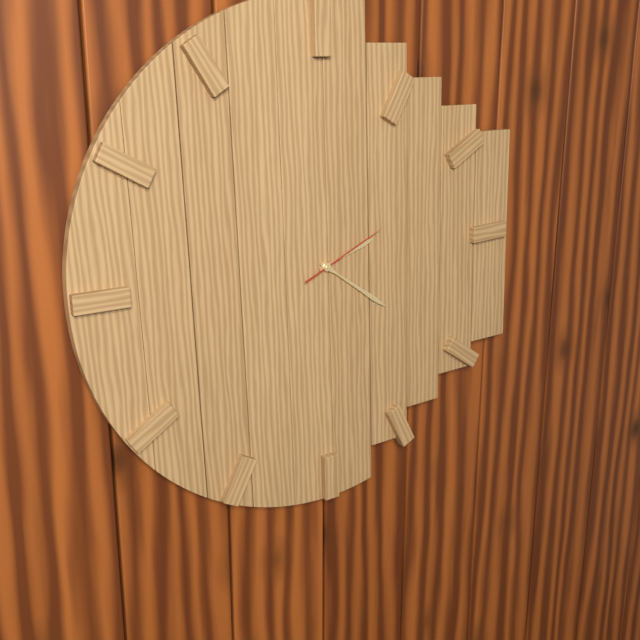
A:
h=2 m=21 s=11
